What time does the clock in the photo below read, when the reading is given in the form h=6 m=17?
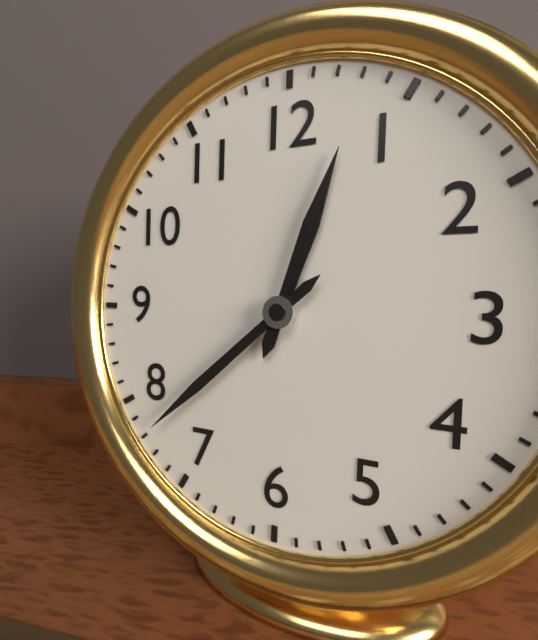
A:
h=12 m=38
